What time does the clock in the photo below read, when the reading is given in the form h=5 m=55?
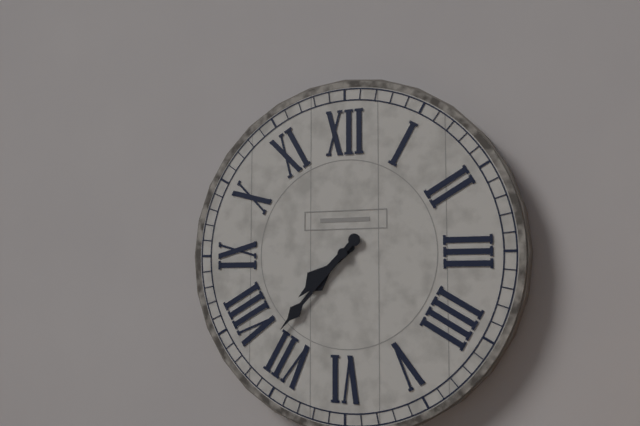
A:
h=7 m=37
